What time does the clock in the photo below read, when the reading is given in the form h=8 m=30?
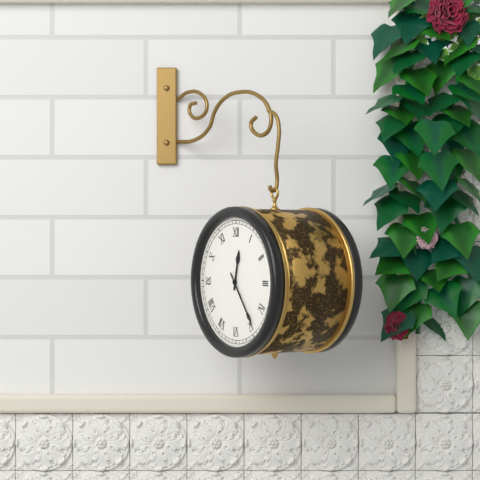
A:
h=12 m=24
